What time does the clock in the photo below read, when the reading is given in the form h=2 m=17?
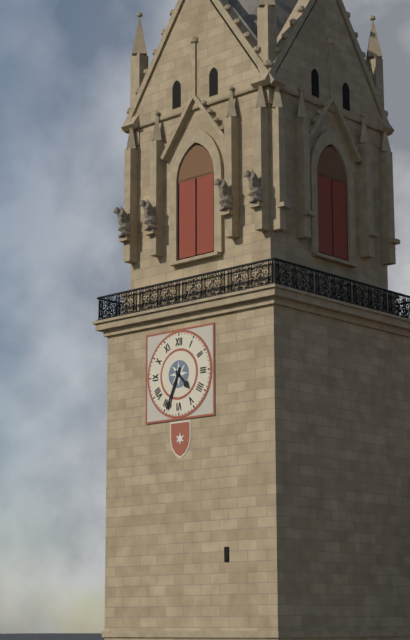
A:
h=4 m=34
